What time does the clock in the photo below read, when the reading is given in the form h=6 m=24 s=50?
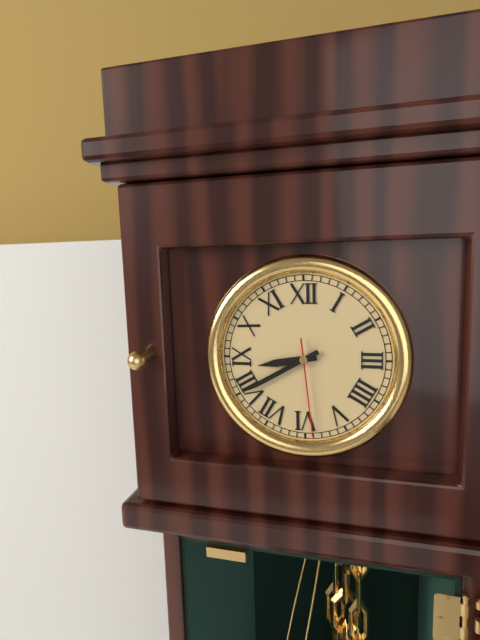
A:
h=8 m=40 s=29
